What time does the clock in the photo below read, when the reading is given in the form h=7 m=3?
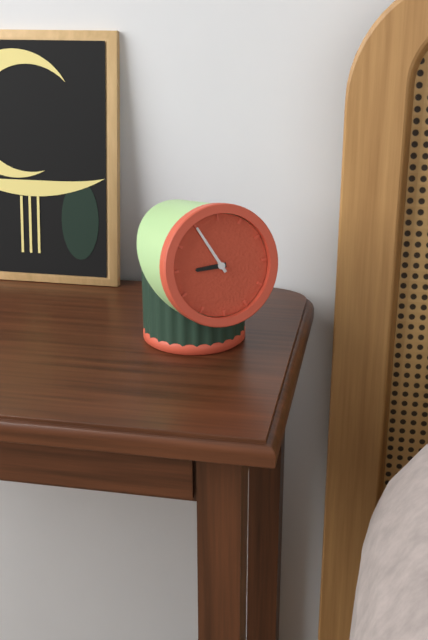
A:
h=8 m=55
